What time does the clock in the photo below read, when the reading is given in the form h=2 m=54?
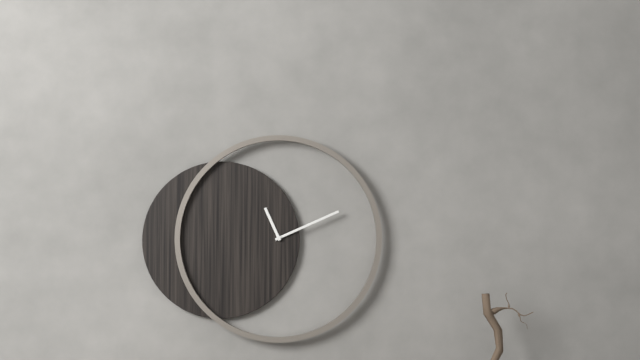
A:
h=11 m=11
